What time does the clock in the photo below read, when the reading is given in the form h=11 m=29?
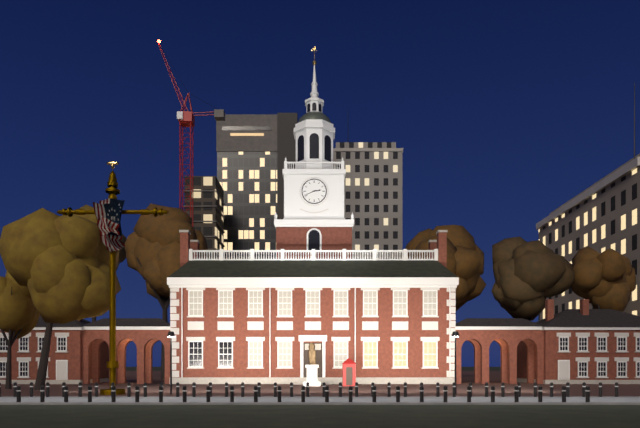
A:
h=2 m=41
